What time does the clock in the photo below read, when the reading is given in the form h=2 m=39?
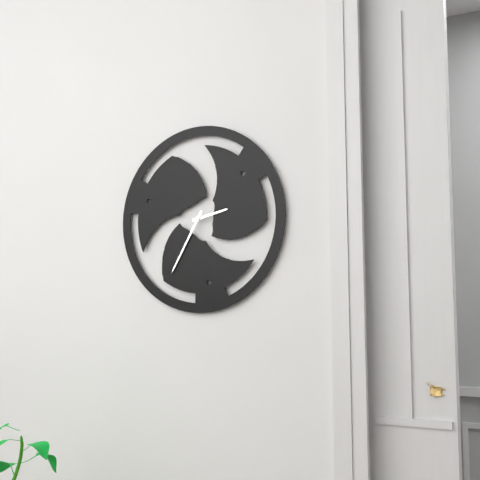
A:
h=2 m=35
